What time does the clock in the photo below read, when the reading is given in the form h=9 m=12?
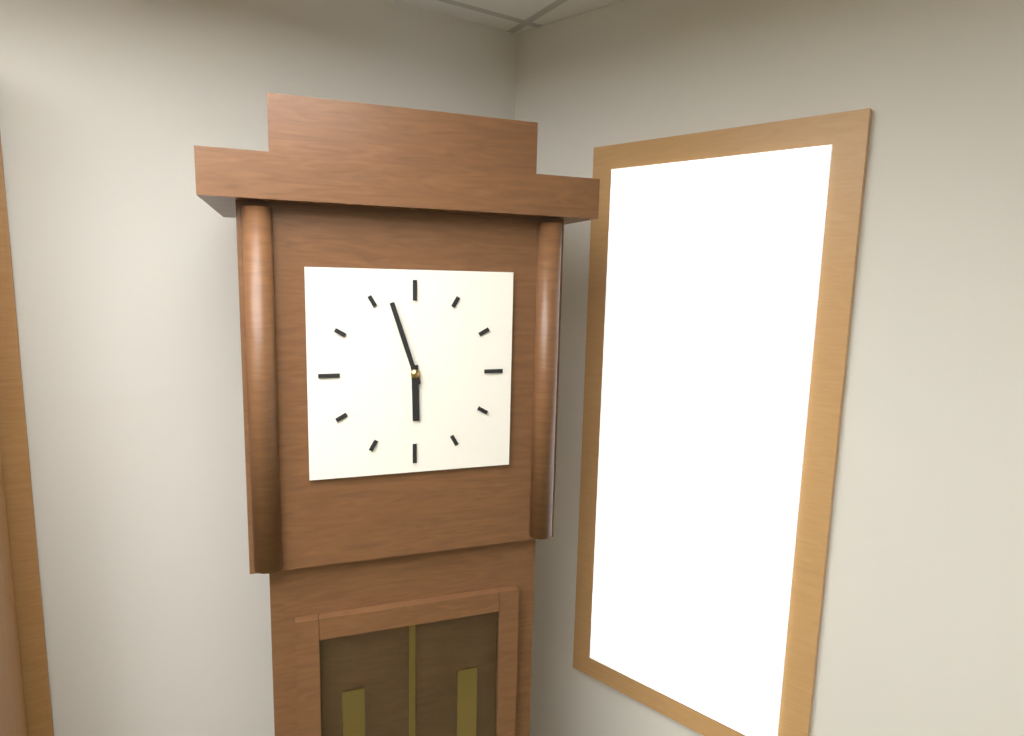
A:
h=5 m=57
